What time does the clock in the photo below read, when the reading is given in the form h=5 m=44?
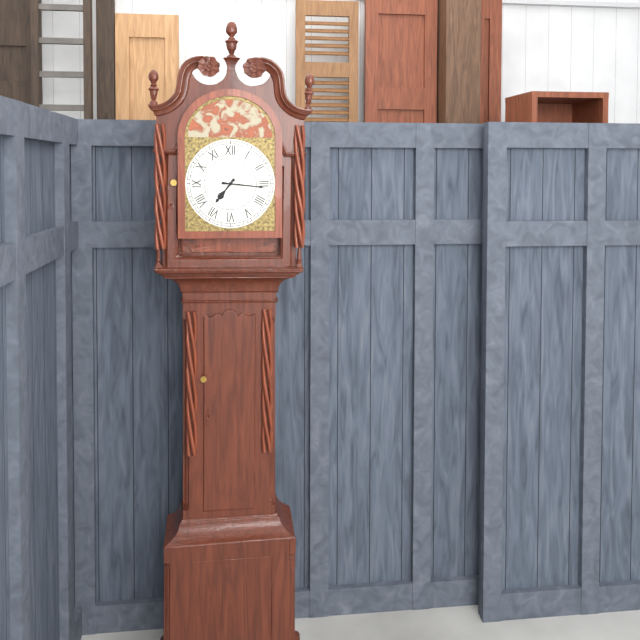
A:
h=7 m=16
